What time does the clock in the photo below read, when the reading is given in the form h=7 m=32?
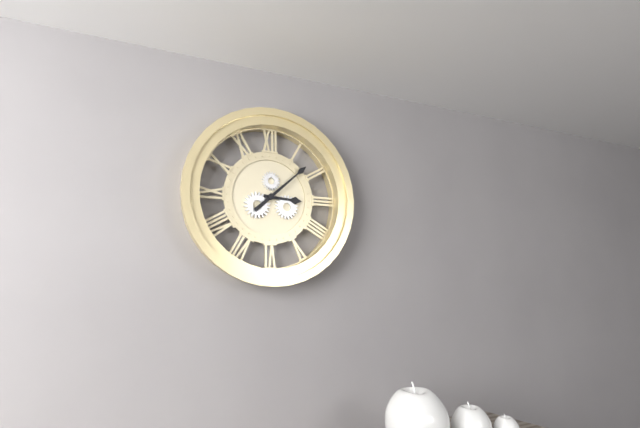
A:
h=3 m=8
